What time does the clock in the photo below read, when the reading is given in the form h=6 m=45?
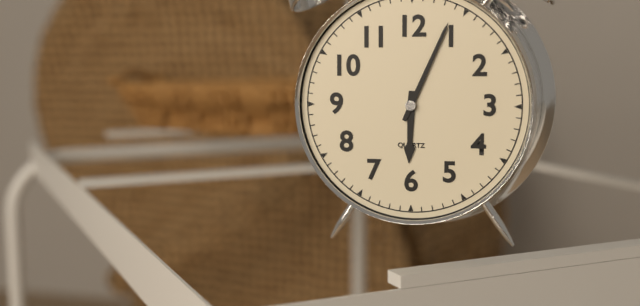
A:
h=6 m=4
